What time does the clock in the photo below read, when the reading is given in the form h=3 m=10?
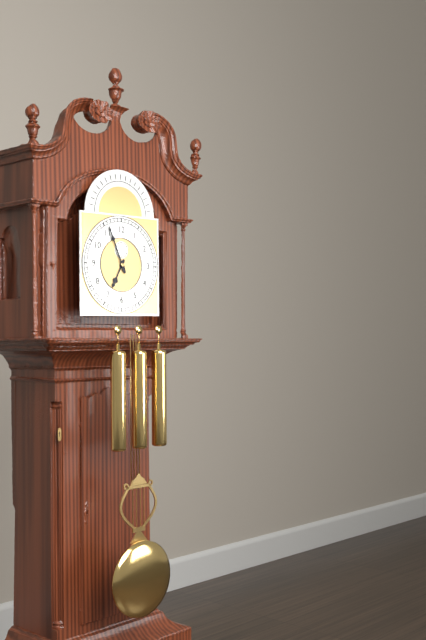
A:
h=6 m=56
